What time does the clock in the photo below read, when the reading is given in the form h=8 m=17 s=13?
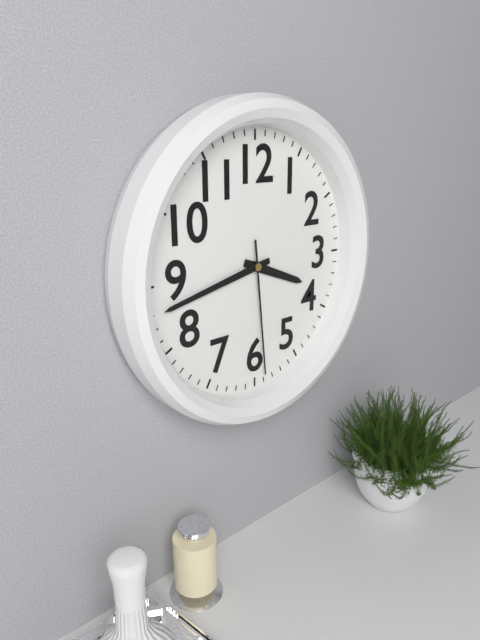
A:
h=3 m=43 s=29
